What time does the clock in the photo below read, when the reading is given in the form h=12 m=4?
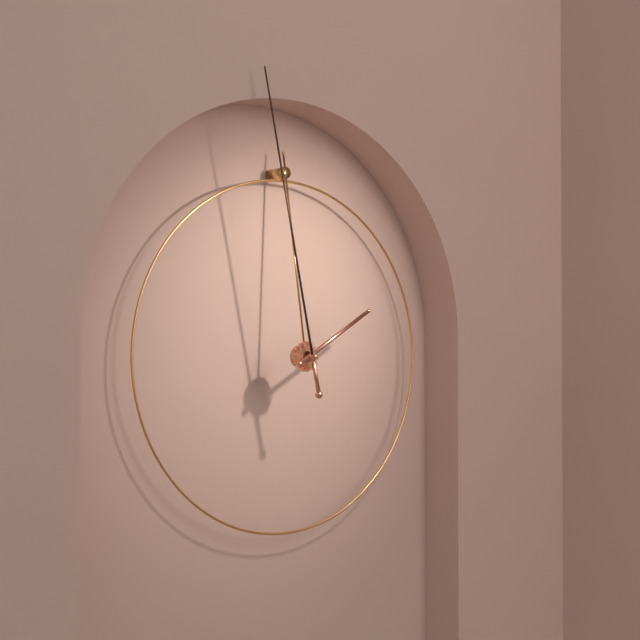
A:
h=1 m=58
